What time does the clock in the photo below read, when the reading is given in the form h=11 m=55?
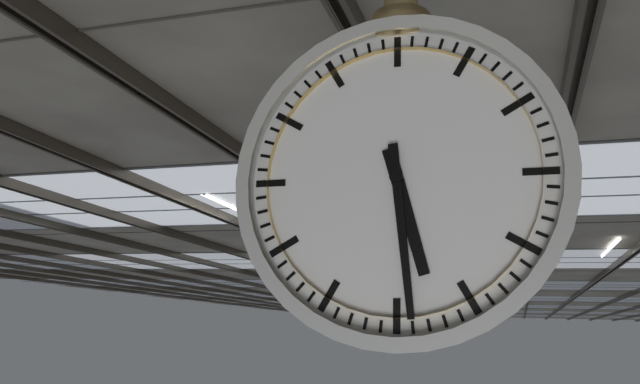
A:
h=5 m=29
